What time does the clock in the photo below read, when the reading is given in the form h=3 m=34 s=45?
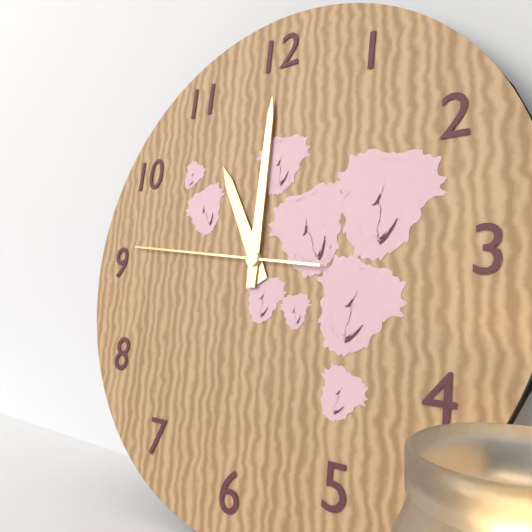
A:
h=11 m=0 s=46
